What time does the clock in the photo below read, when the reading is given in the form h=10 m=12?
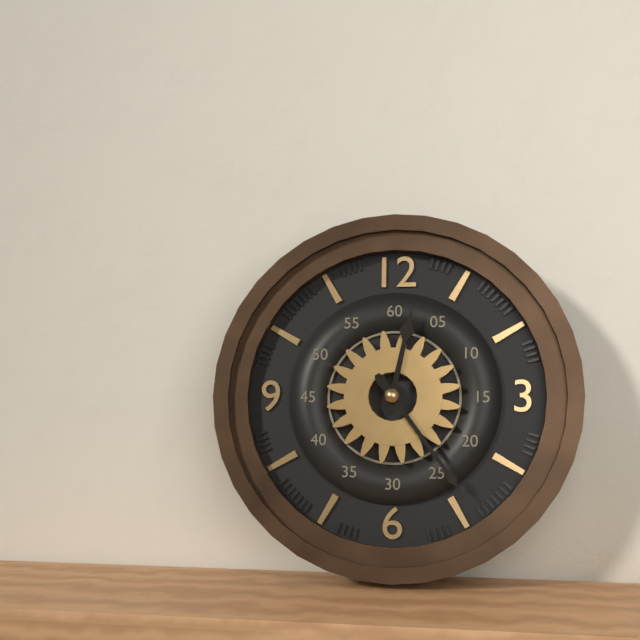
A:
h=12 m=24
